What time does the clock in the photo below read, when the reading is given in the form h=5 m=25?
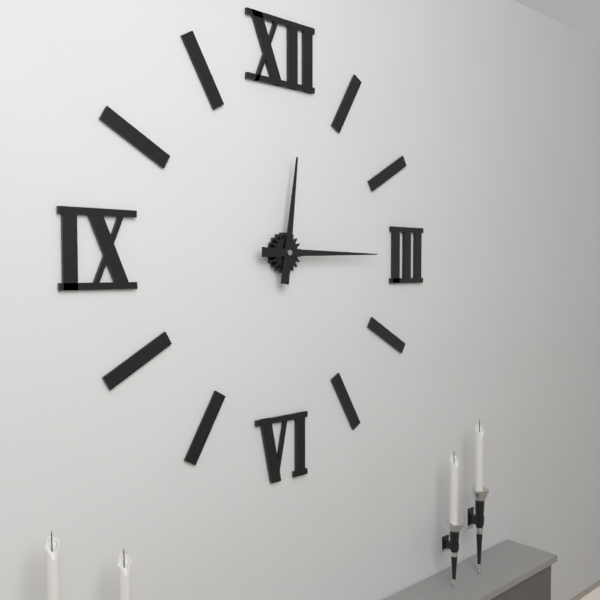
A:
h=12 m=15
